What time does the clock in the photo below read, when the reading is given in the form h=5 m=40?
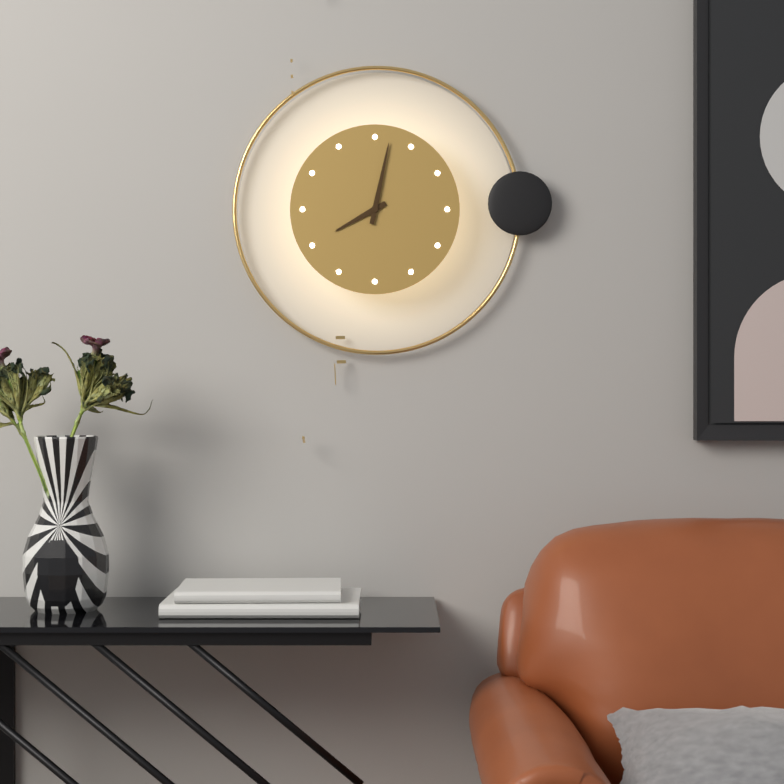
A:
h=8 m=2
